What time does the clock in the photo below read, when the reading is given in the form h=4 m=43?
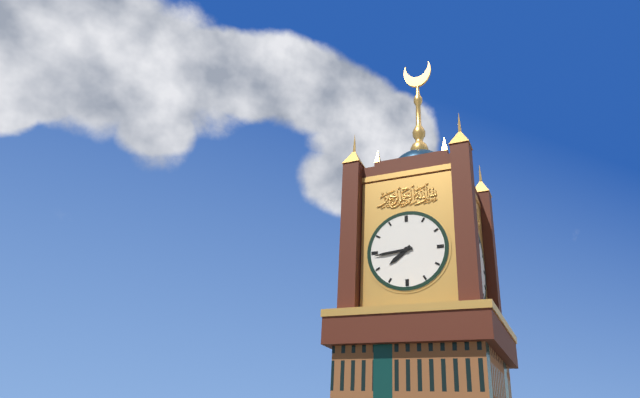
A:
h=7 m=44
